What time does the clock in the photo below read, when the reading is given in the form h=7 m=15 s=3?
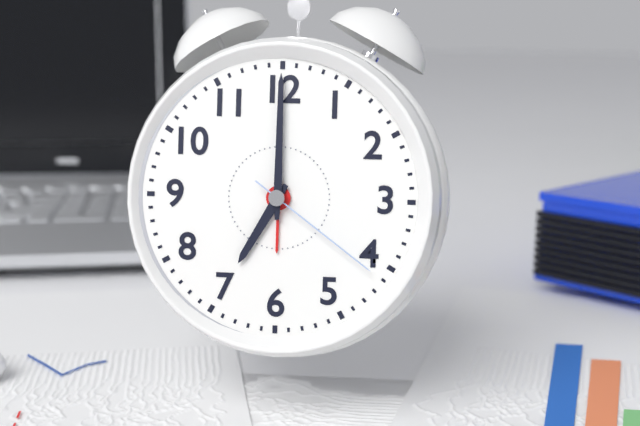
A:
h=7 m=0 s=21
